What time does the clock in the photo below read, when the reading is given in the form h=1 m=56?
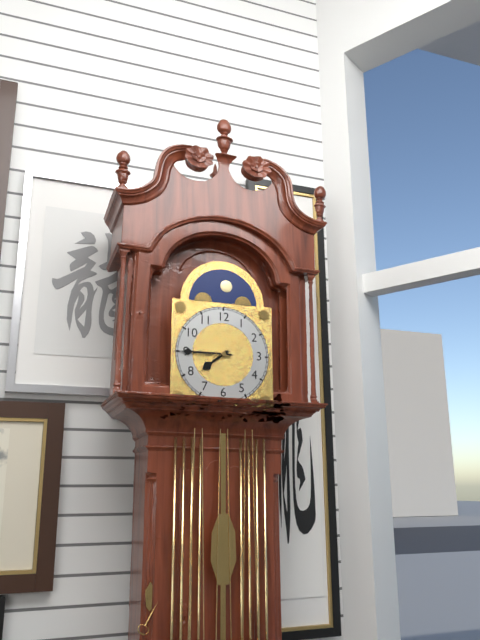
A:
h=7 m=45
